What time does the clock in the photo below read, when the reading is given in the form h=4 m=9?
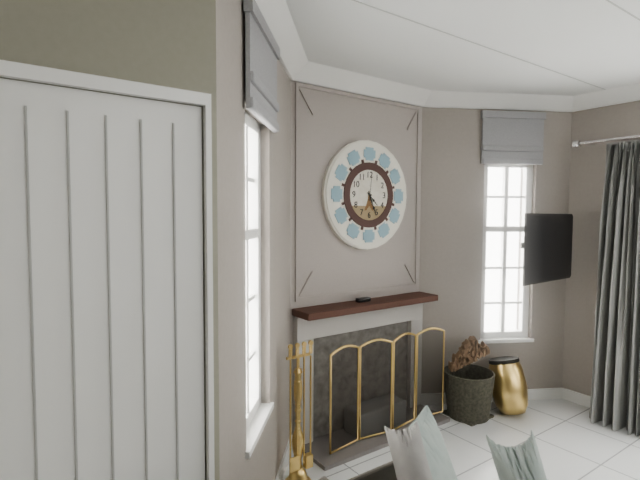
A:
h=4 m=26
